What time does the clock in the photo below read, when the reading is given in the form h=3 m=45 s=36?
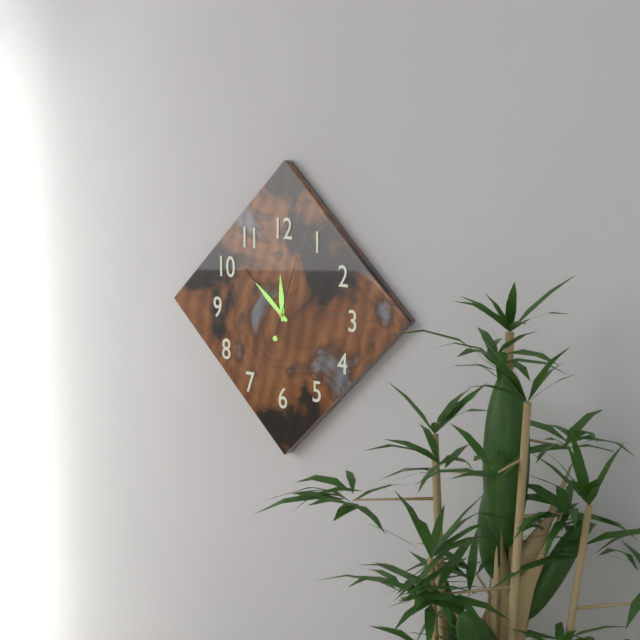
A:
h=11 m=52 s=3
